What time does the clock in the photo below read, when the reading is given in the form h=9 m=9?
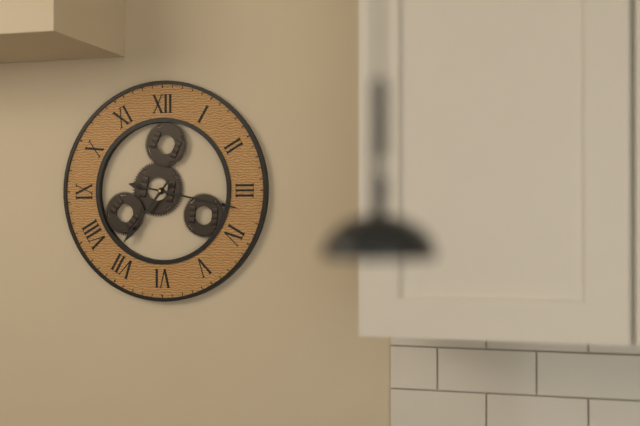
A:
h=7 m=17
